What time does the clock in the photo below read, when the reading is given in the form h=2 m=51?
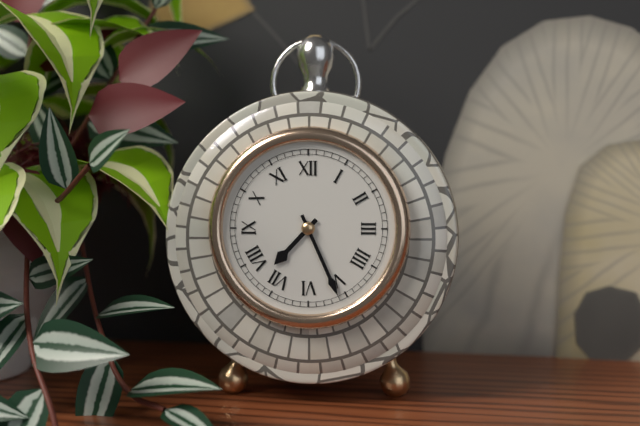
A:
h=7 m=26
